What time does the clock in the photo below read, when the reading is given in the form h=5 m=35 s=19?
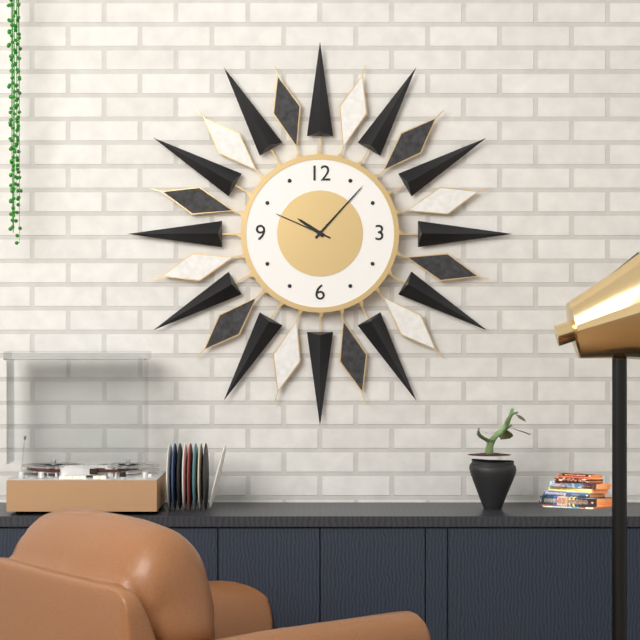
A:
h=10 m=7 s=49
